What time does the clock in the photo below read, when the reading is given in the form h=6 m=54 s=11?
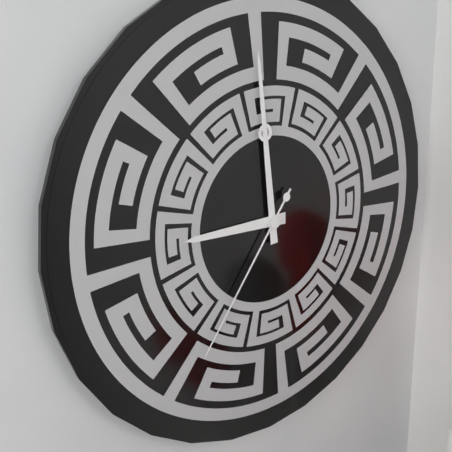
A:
h=8 m=59 s=36
